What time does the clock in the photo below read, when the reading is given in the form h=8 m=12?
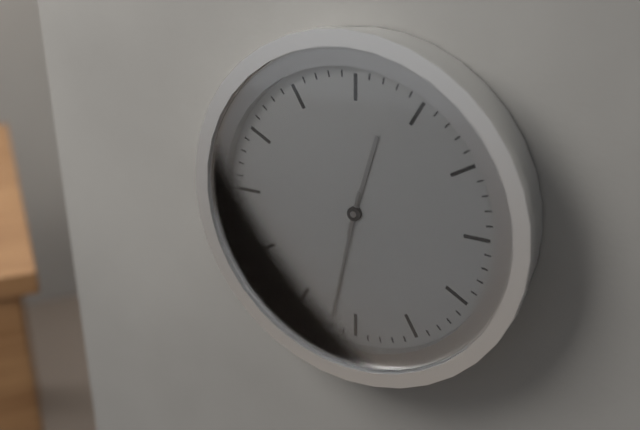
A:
h=12 m=32
